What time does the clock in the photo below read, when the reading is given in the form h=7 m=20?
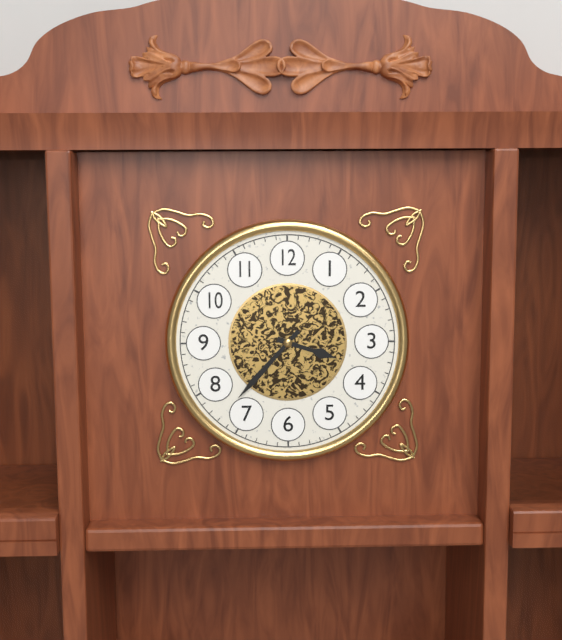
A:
h=3 m=37
